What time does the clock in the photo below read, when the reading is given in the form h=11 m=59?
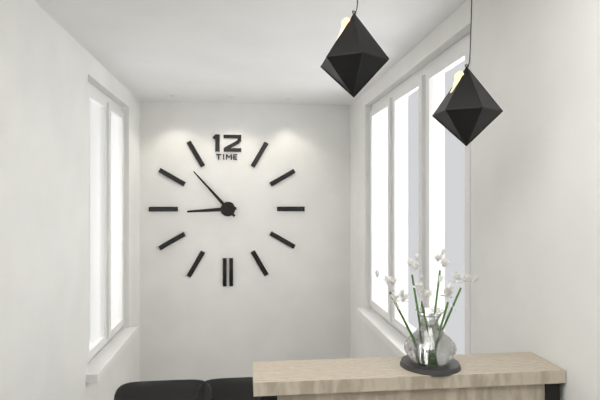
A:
h=8 m=53
